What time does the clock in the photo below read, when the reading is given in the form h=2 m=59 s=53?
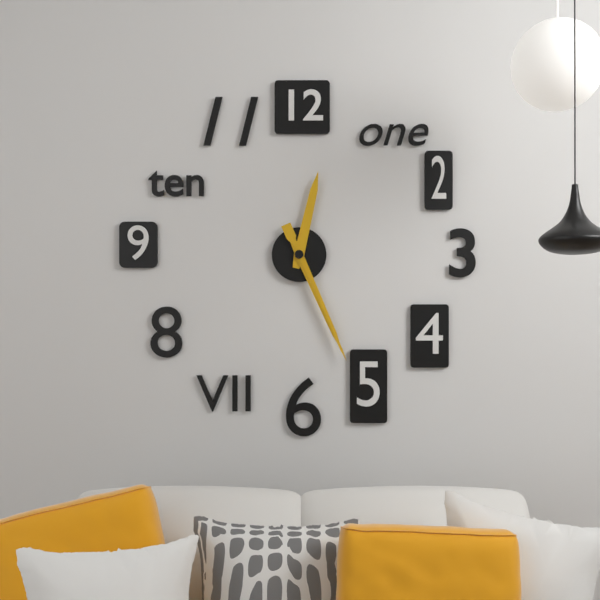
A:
h=12 m=26 s=26
